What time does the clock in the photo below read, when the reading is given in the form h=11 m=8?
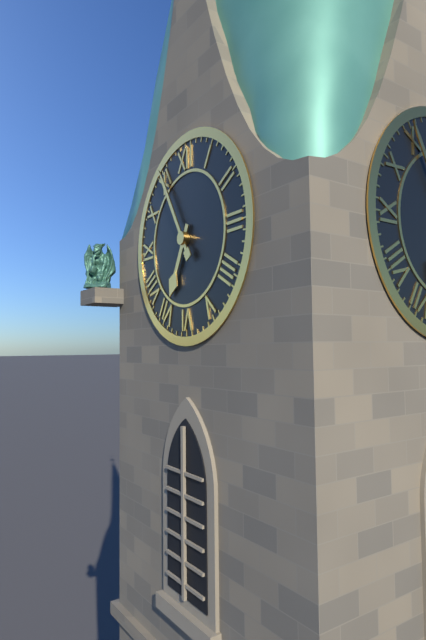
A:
h=6 m=55
